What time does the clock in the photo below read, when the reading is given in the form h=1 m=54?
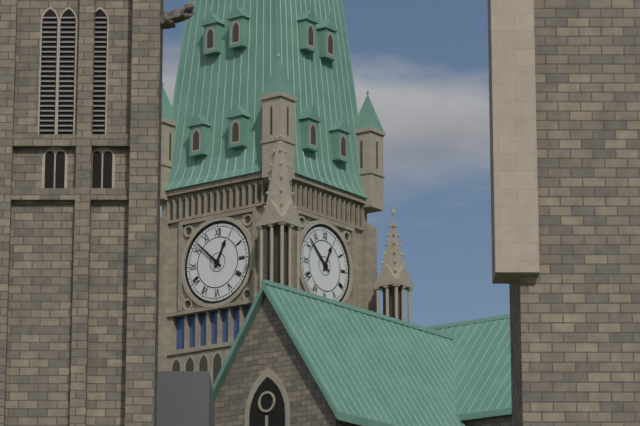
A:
h=12 m=52
